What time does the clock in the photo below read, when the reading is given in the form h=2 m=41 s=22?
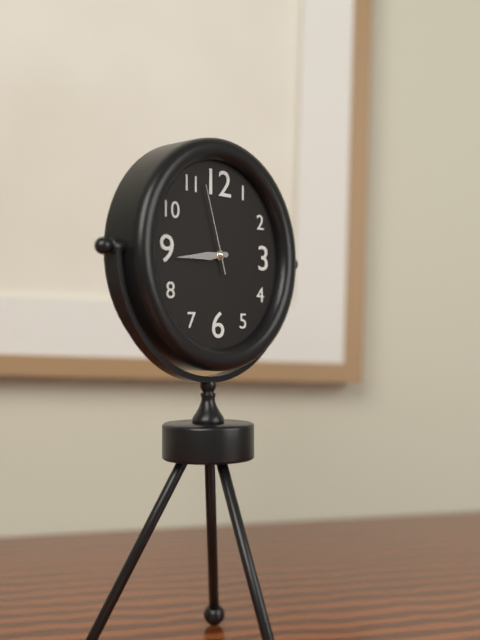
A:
h=8 m=44 s=57
